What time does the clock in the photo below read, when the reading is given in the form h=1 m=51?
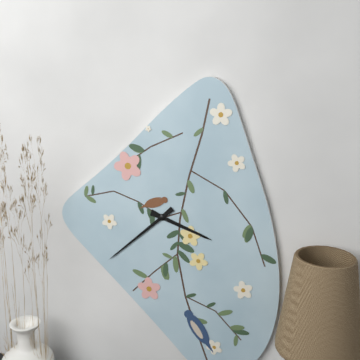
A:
h=3 m=38
